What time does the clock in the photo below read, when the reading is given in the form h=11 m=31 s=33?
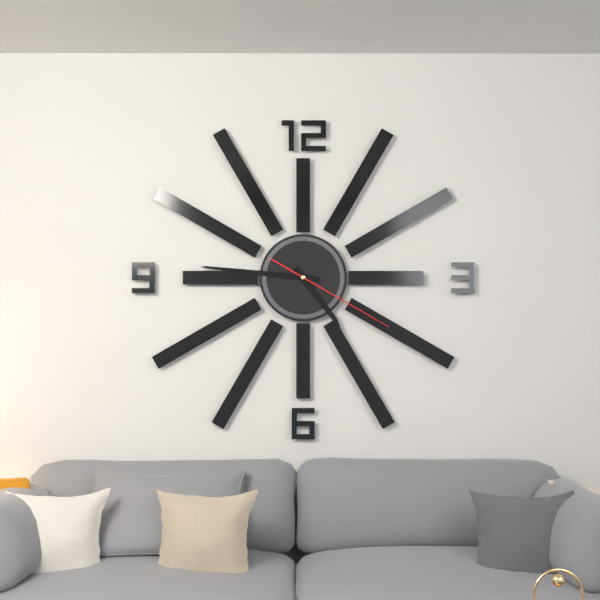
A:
h=4 m=46 s=20
